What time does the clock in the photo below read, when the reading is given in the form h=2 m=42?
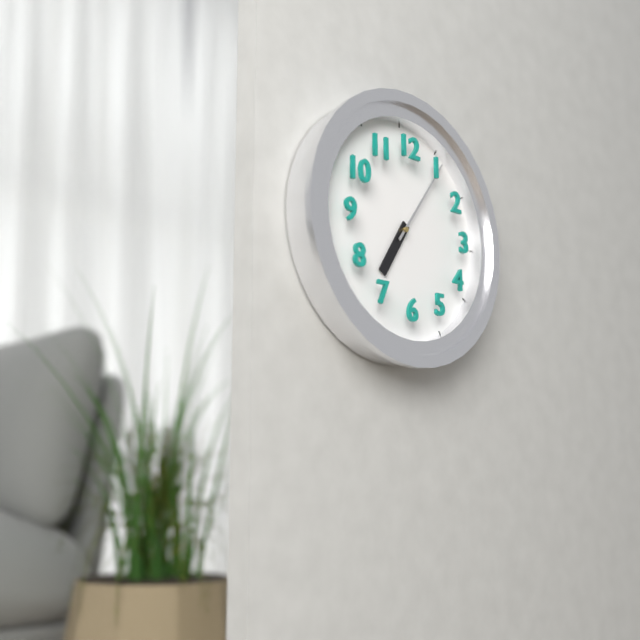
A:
h=7 m=6
